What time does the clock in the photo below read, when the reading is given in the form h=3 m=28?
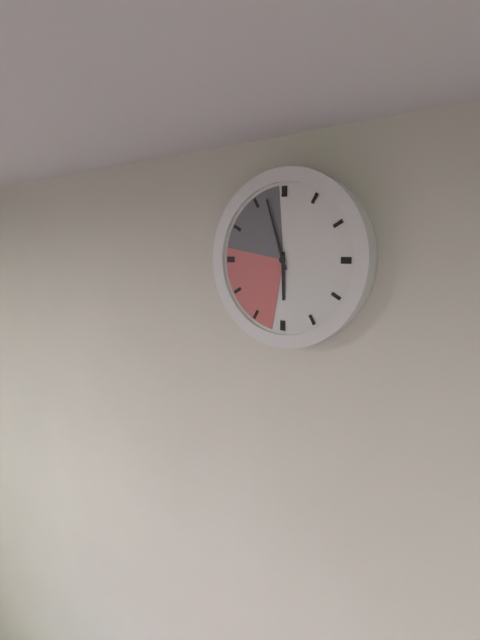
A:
h=5 m=57
